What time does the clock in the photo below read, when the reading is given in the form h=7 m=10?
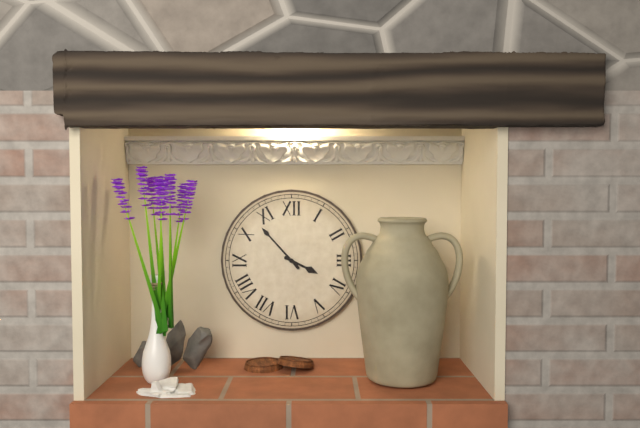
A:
h=3 m=53
